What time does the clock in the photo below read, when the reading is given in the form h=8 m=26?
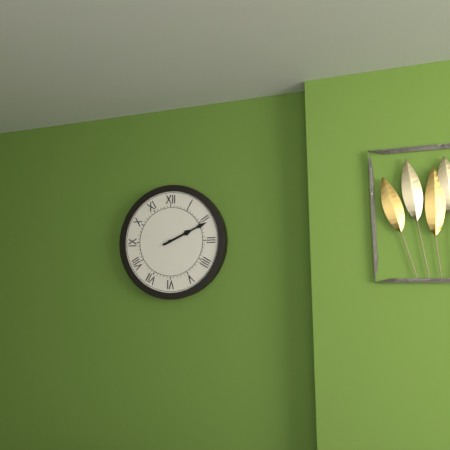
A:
h=2 m=11
